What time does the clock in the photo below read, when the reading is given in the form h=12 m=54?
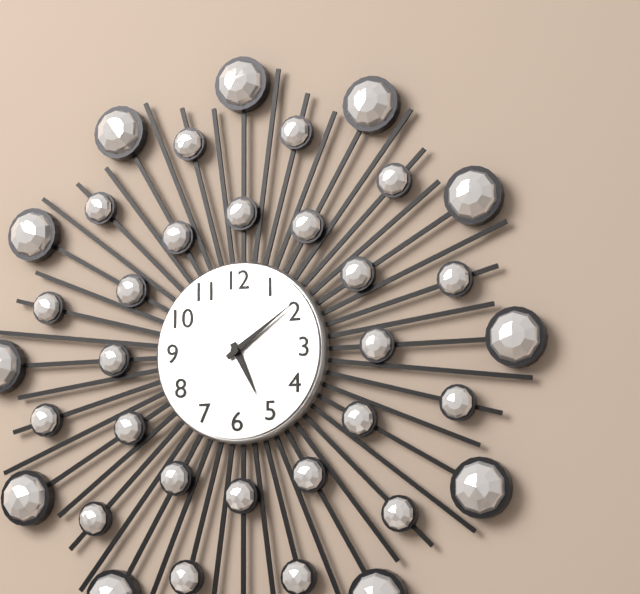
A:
h=5 m=9
